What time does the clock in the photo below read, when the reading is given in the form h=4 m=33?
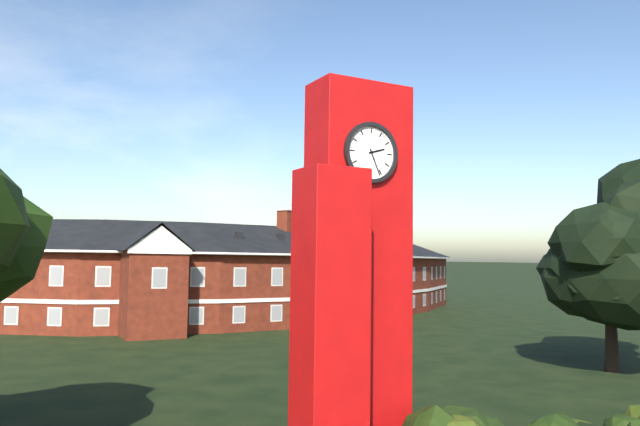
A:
h=2 m=26
